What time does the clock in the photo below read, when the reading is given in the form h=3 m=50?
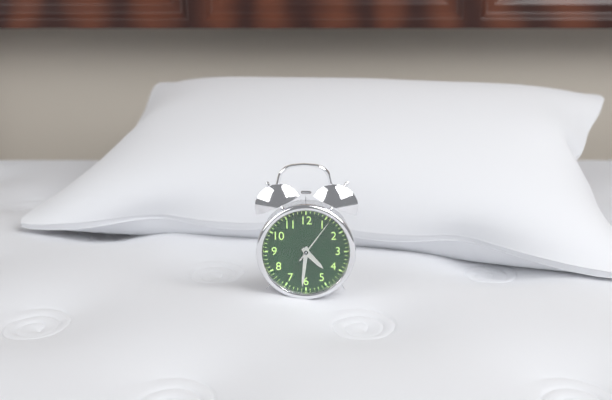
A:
h=4 m=31
